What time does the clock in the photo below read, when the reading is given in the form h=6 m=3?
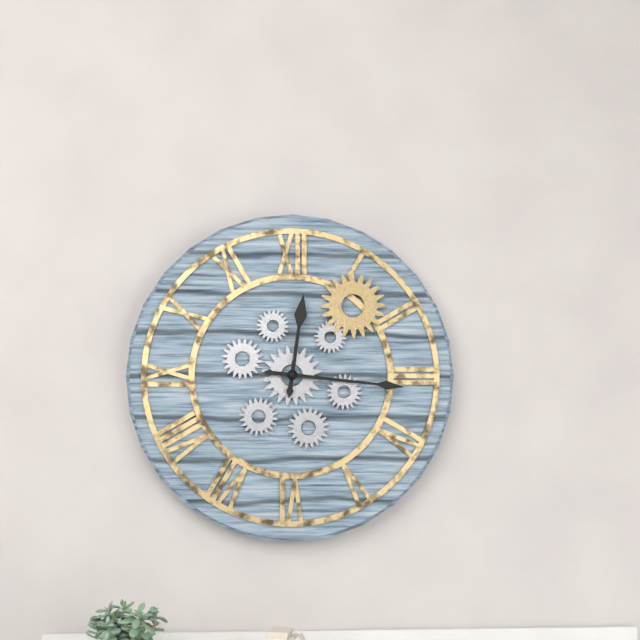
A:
h=12 m=16
